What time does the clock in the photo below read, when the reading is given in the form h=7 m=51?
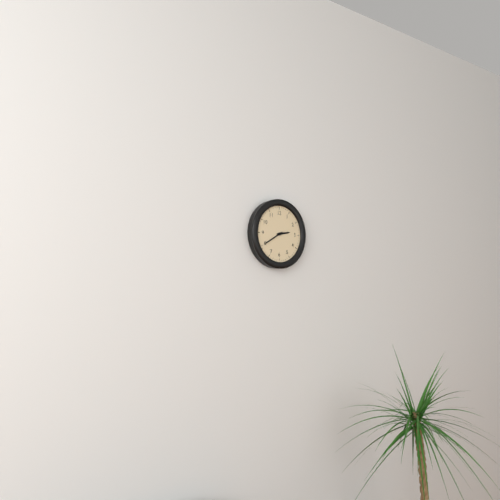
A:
h=2 m=40
